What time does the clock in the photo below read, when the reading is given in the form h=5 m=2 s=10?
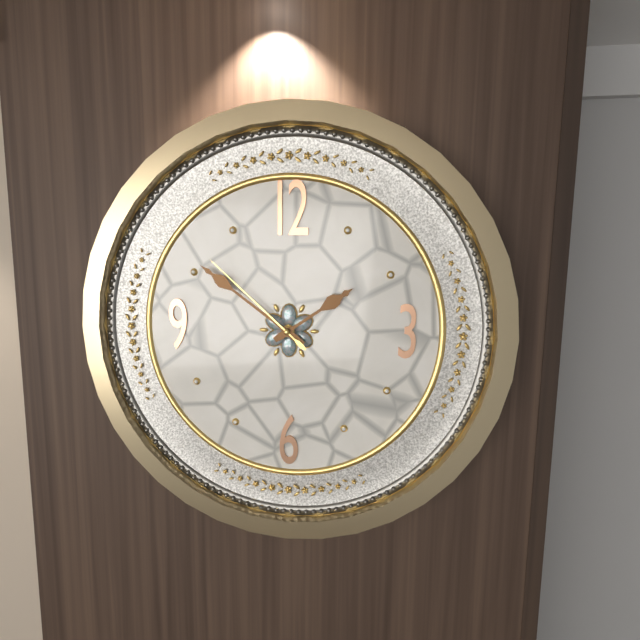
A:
h=1 m=51 s=52
